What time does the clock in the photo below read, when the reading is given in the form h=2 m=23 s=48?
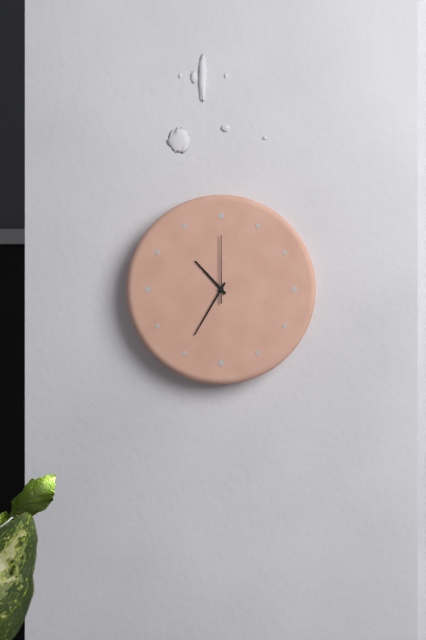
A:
h=10 m=35 s=0
